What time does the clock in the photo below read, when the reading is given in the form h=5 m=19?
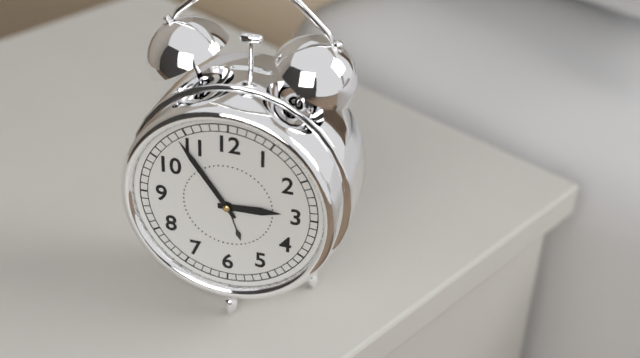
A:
h=2 m=54
